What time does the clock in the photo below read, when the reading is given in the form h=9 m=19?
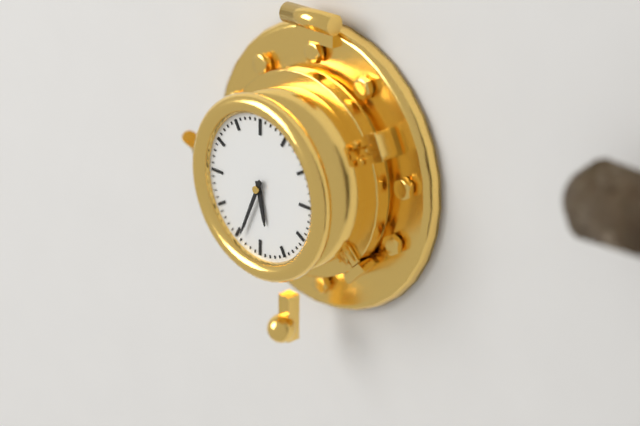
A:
h=5 m=34
